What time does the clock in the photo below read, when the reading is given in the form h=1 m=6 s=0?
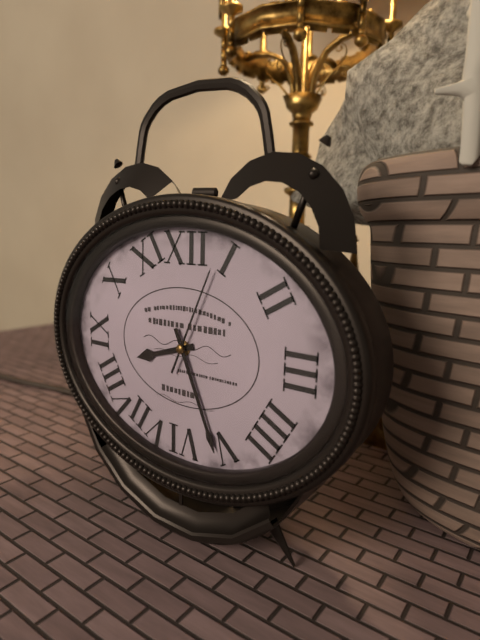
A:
h=8 m=26 s=4
